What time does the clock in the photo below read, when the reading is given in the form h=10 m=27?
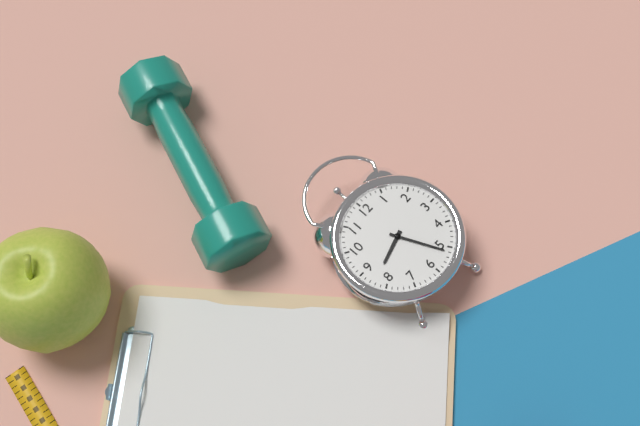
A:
h=8 m=26
